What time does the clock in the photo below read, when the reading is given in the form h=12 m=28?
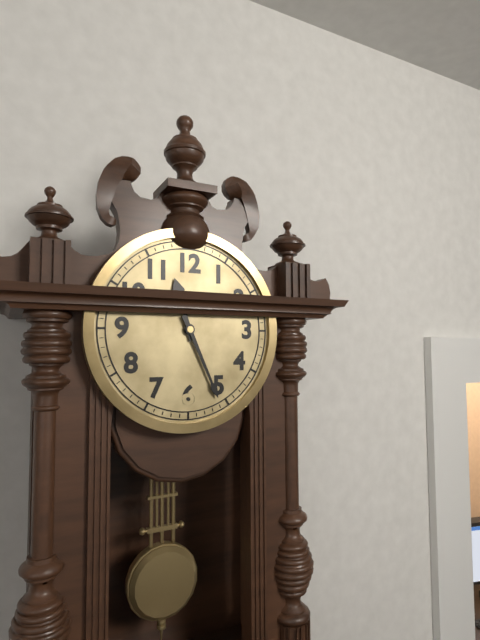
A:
h=11 m=26
